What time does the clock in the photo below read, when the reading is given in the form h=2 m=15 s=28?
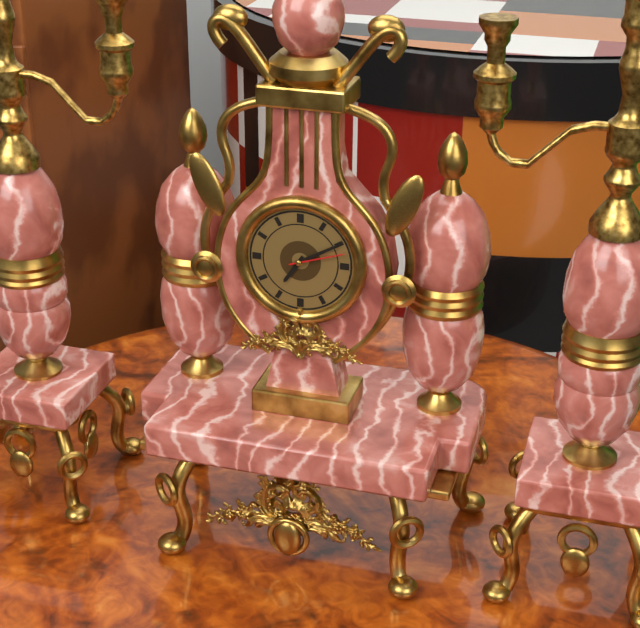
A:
h=7 m=10 s=12
